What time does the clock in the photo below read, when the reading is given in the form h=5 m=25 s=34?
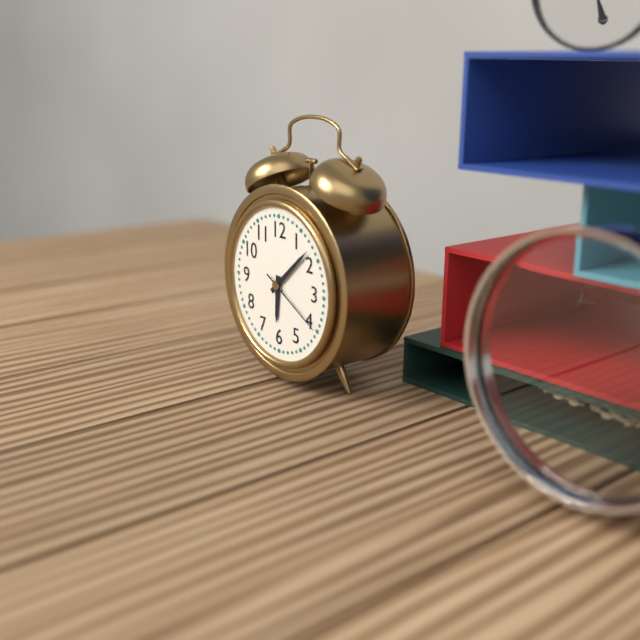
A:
h=6 m=8 s=20
